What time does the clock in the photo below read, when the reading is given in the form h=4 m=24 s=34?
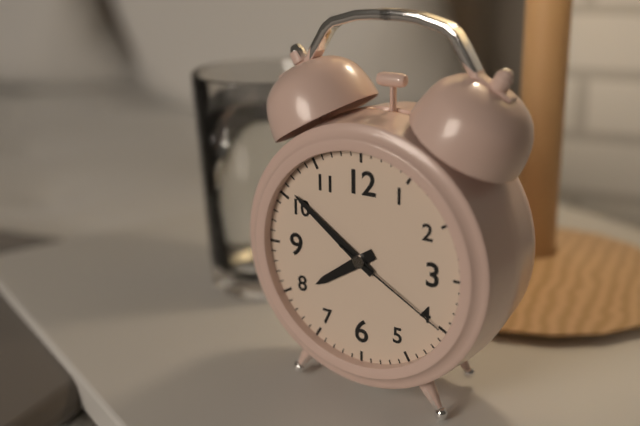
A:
h=7 m=51 s=20
